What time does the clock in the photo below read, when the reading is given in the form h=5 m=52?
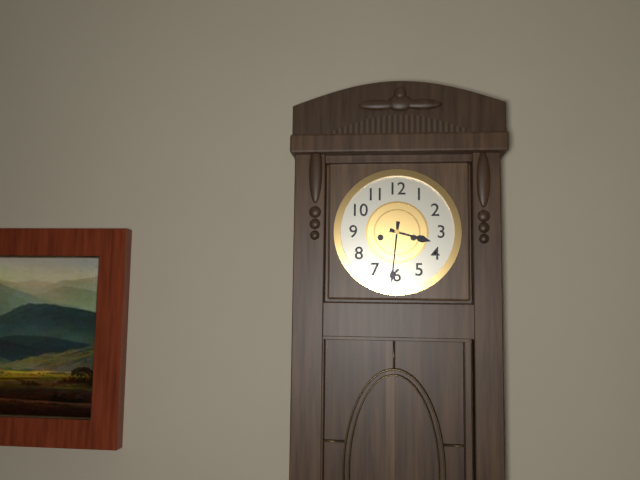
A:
h=3 m=31
